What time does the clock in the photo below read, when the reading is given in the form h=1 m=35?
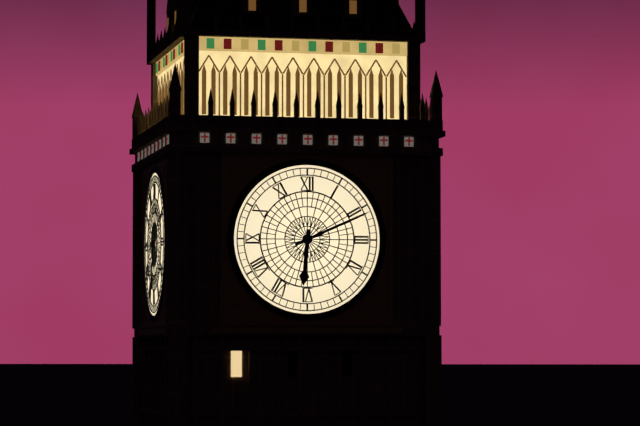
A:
h=6 m=11
